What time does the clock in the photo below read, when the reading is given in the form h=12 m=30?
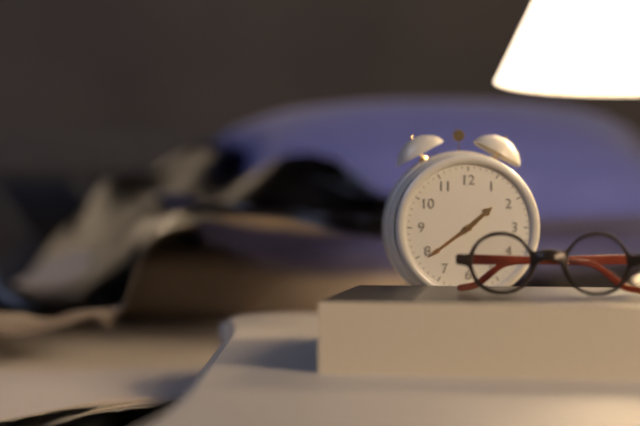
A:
h=1 m=39
